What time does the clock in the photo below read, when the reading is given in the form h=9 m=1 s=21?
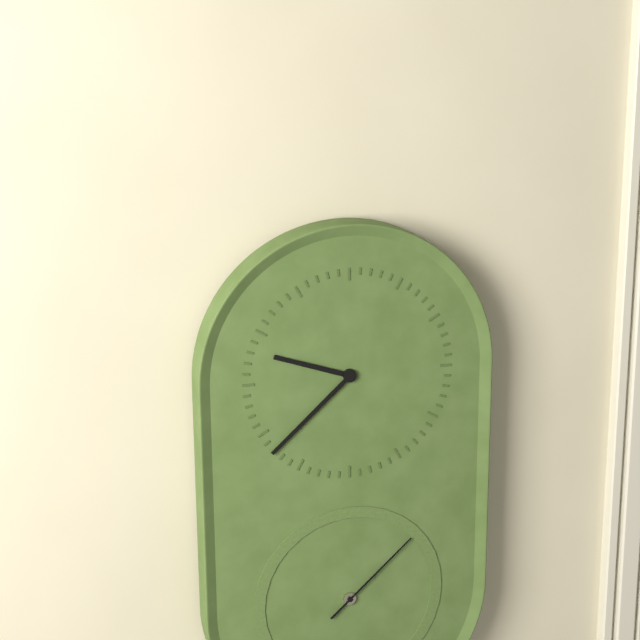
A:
h=9 m=38 s=8
